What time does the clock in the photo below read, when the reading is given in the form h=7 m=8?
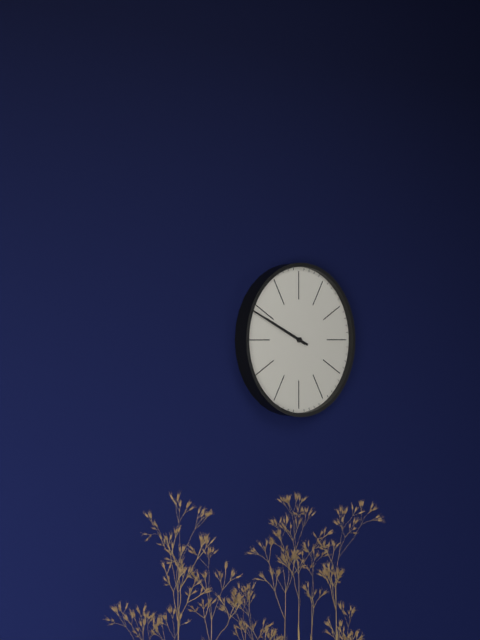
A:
h=9 m=49
